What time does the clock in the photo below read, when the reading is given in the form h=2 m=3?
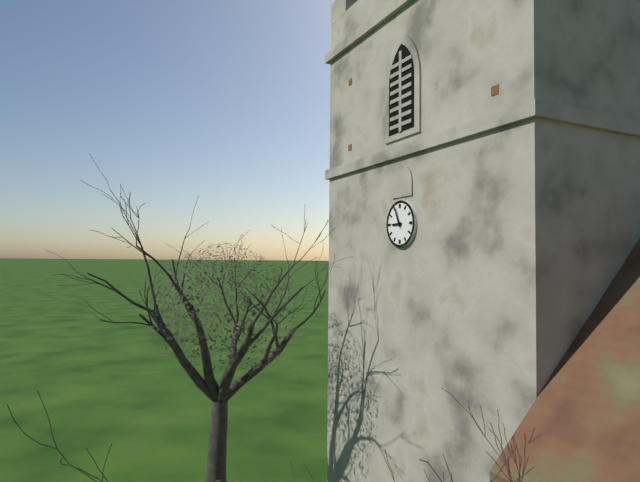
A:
h=8 m=56
